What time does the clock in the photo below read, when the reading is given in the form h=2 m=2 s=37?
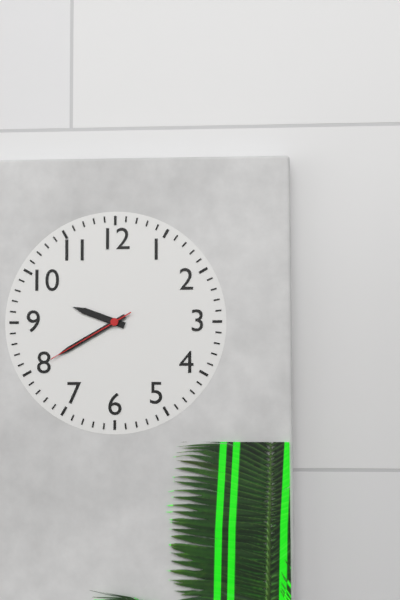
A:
h=9 m=40 s=40
